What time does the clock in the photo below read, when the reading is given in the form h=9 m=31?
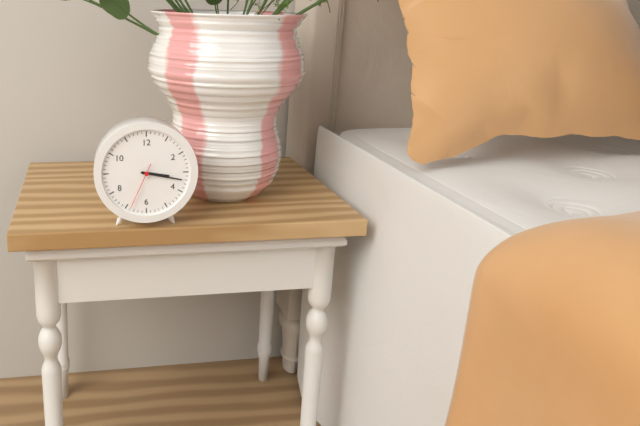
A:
h=3 m=17
